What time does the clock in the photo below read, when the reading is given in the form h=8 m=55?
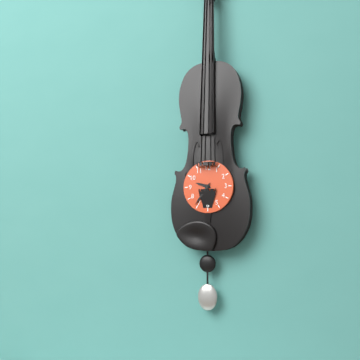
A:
h=9 m=36
